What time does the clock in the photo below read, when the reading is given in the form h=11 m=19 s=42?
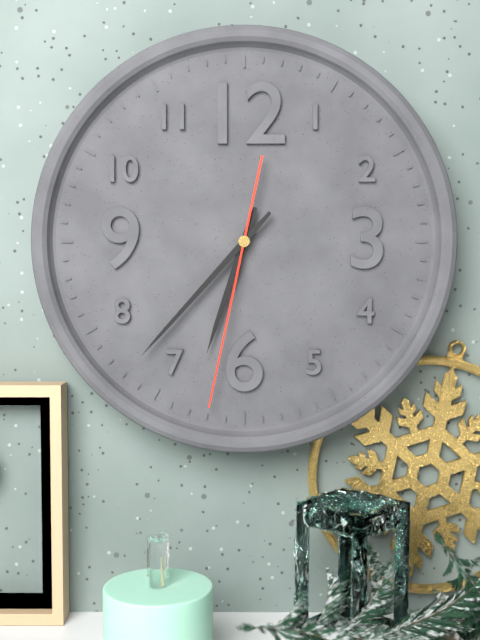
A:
h=6 m=37 s=32
